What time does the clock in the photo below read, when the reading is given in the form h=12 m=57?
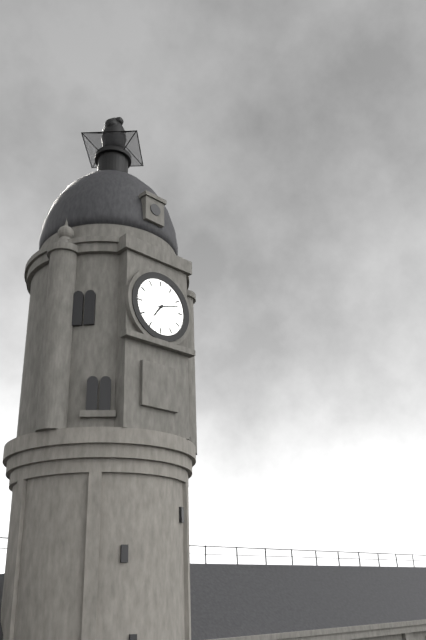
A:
h=7 m=12
